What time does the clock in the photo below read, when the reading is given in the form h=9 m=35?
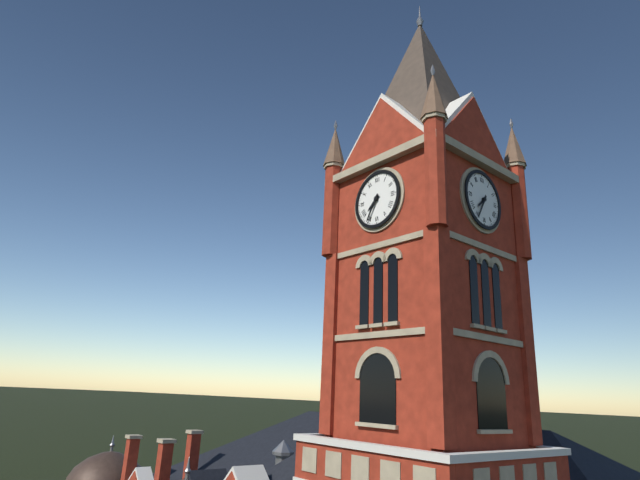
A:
h=7 m=35
